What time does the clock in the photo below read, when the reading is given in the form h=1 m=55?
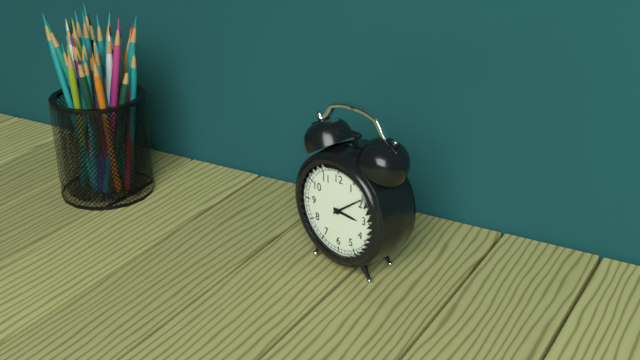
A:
h=3 m=9
